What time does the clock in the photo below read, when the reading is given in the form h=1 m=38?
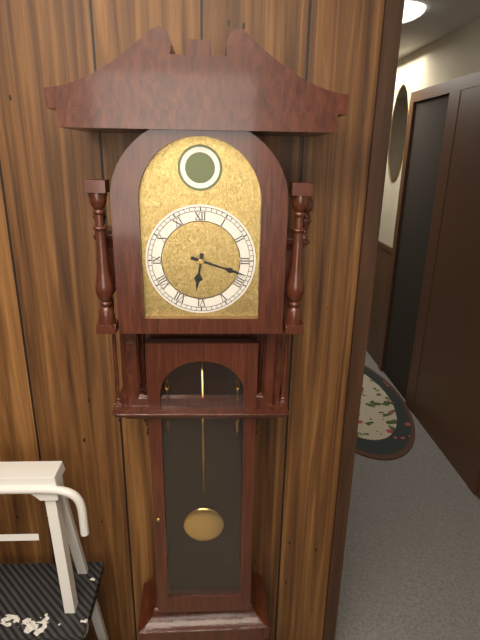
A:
h=6 m=18
